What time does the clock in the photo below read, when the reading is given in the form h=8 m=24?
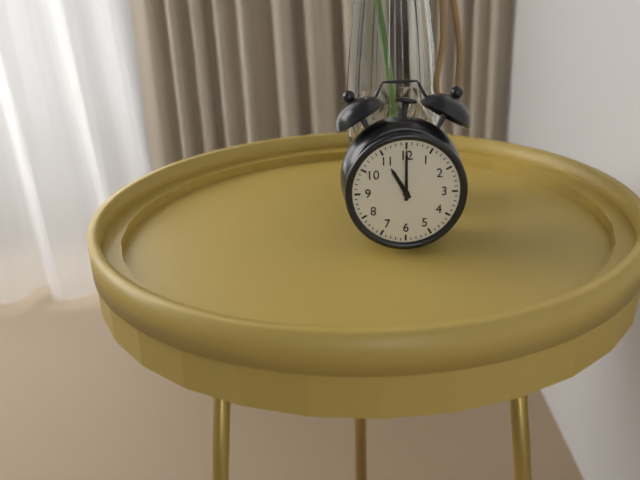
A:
h=11 m=0
